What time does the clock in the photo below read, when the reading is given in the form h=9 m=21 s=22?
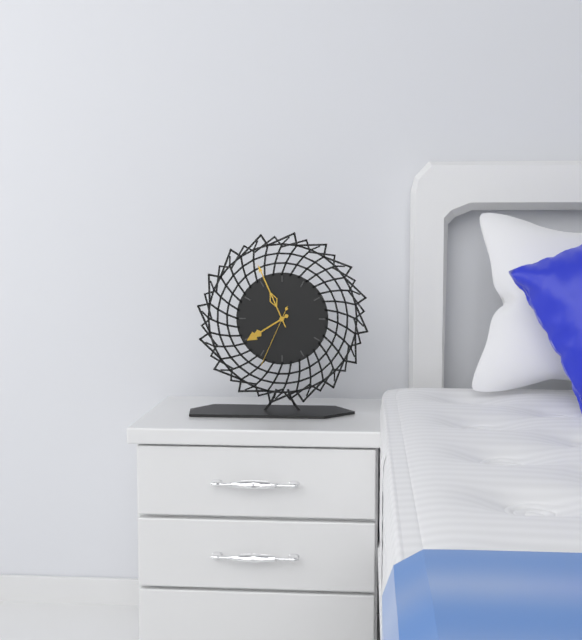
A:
h=7 m=56 s=34
